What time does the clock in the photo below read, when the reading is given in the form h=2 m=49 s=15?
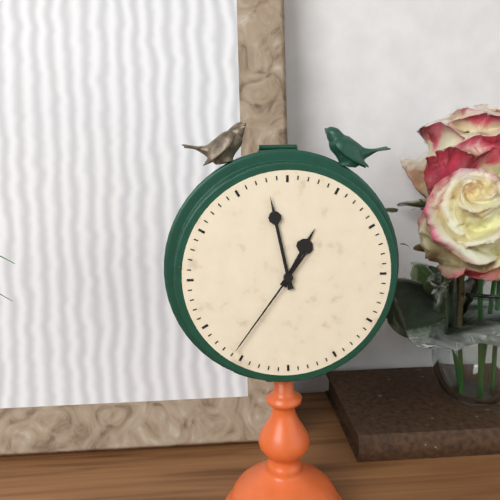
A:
h=12 m=58 s=36
